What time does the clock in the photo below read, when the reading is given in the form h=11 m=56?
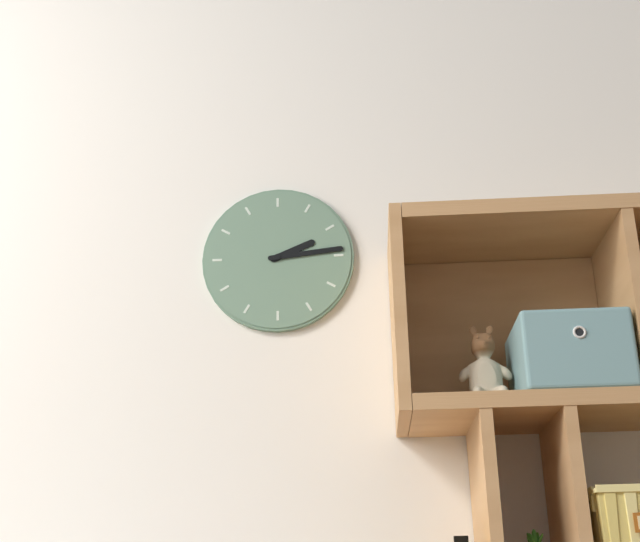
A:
h=2 m=14
